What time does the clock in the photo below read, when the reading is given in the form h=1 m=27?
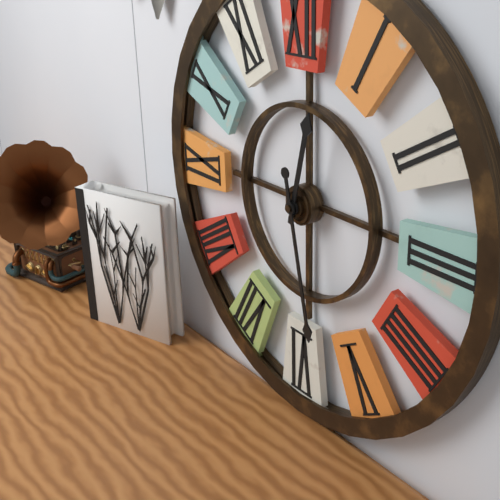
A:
h=12 m=28
